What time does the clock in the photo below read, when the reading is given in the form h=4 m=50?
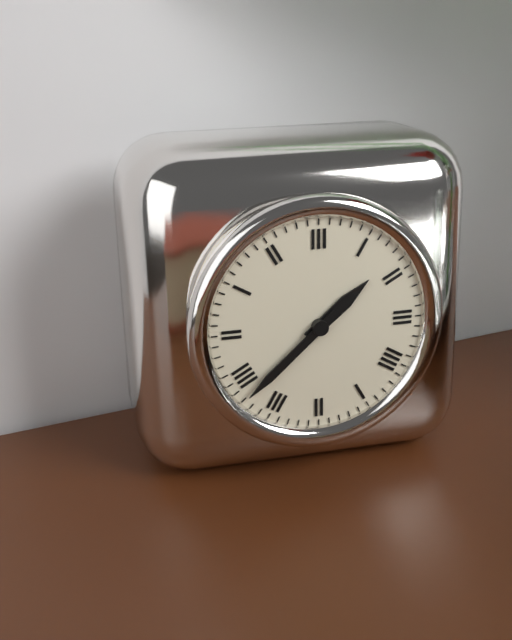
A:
h=1 m=38
